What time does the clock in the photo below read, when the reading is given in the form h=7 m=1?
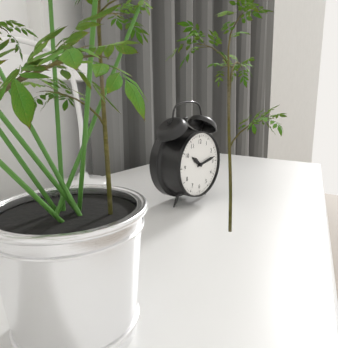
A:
h=10 m=13
